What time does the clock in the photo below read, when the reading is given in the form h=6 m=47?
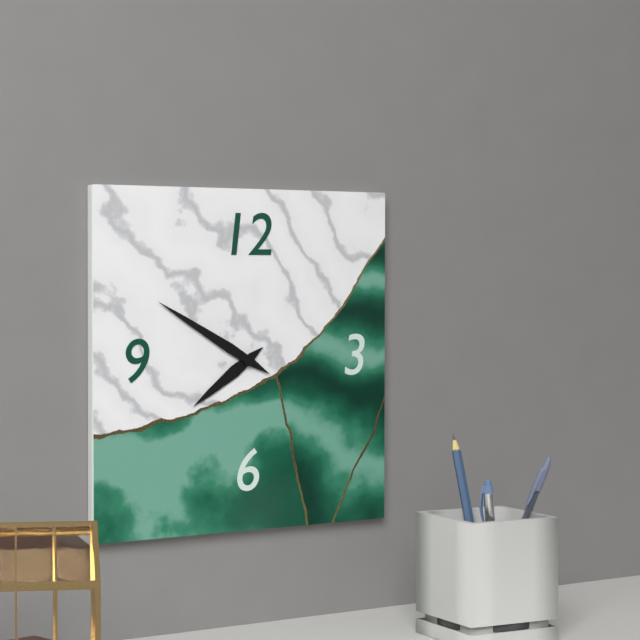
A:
h=7 m=50
